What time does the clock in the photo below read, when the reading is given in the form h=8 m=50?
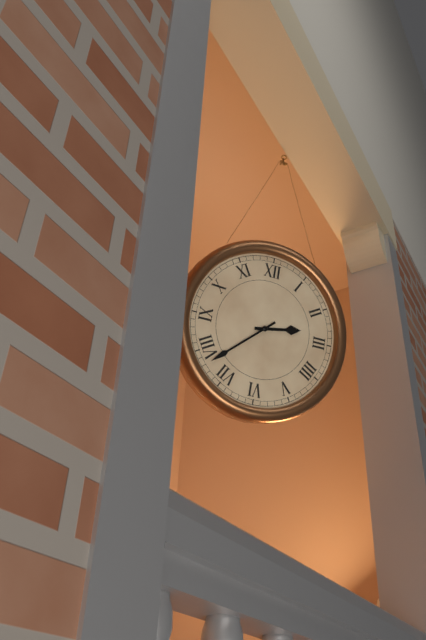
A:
h=2 m=38
